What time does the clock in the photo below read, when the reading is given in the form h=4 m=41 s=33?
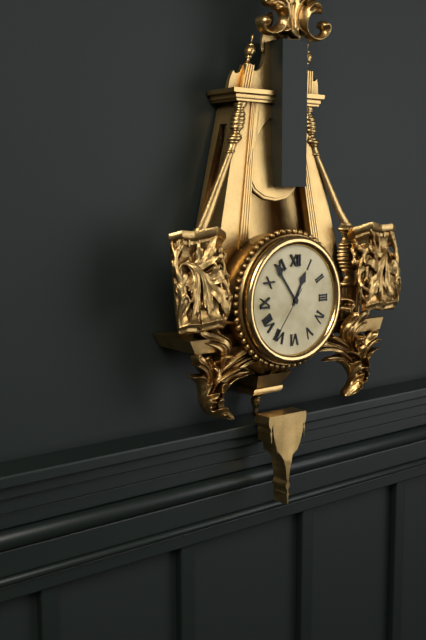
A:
h=12 m=54 s=36
